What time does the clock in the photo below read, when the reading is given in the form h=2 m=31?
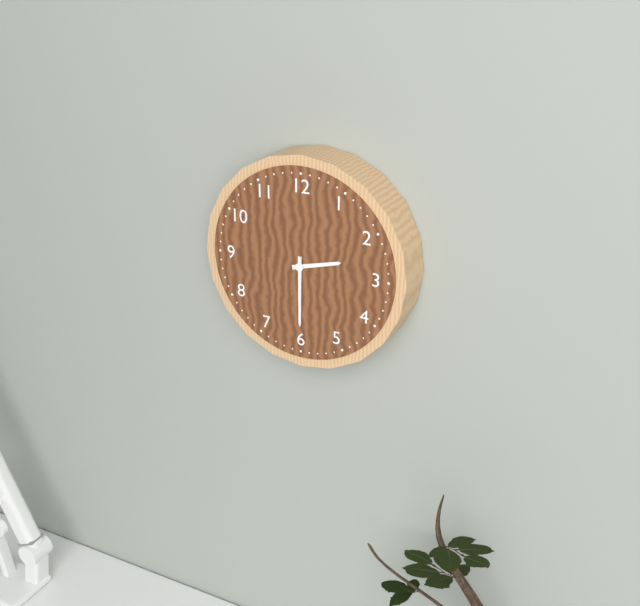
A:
h=2 m=30
